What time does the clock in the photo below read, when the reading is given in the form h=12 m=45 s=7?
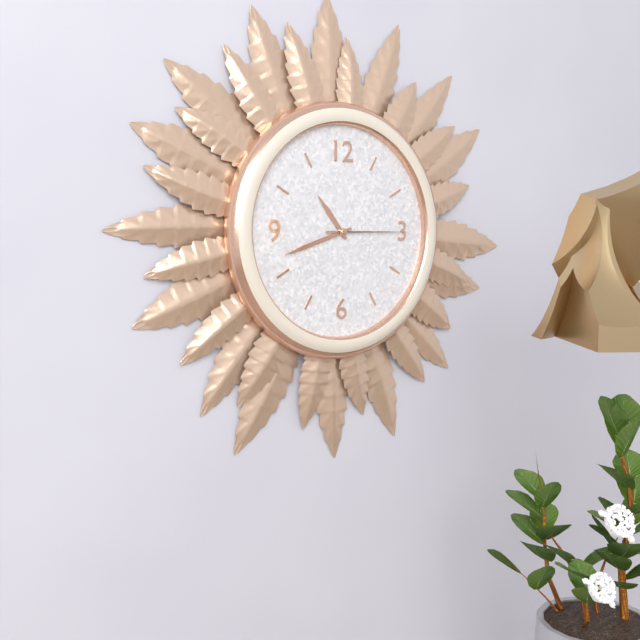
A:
h=10 m=42 s=15
